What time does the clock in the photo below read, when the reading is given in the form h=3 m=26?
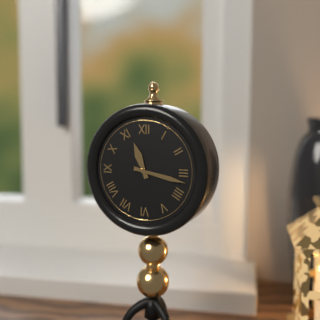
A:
h=11 m=17
